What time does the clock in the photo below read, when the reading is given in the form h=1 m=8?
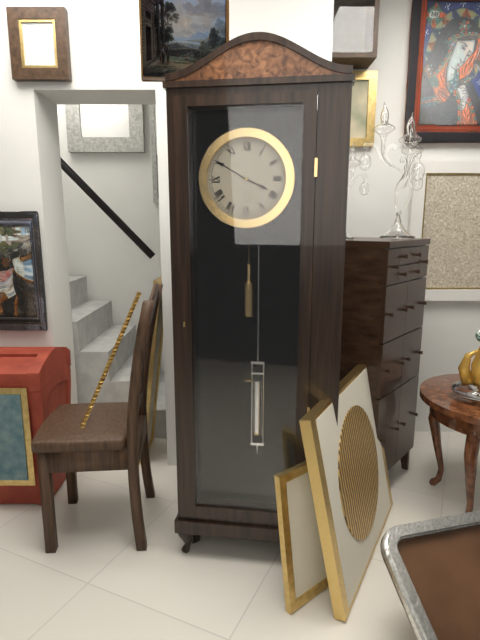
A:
h=3 m=50
